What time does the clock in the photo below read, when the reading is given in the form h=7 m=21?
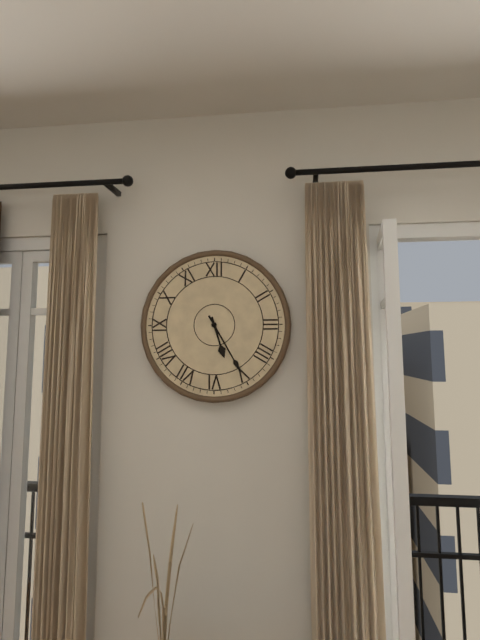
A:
h=5 m=25
